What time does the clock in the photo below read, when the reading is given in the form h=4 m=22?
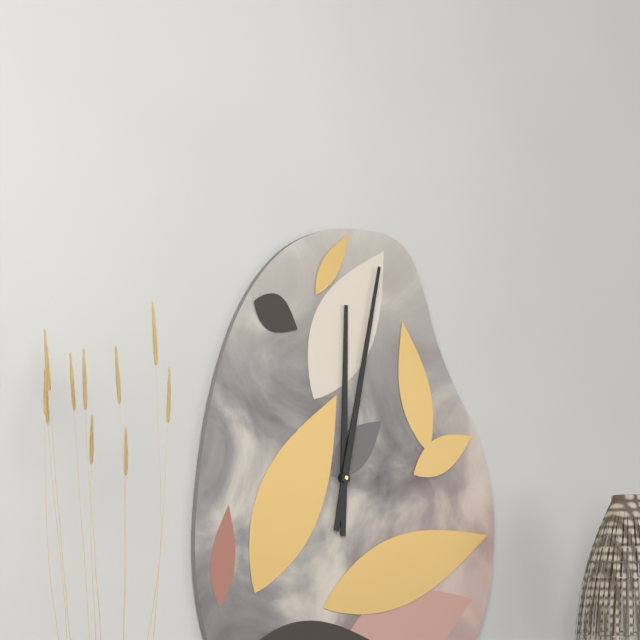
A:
h=12 m=2
